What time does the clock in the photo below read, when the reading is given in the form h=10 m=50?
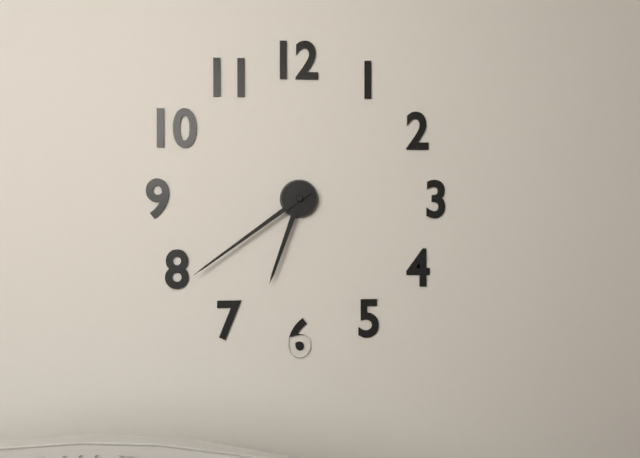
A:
h=6 m=39
